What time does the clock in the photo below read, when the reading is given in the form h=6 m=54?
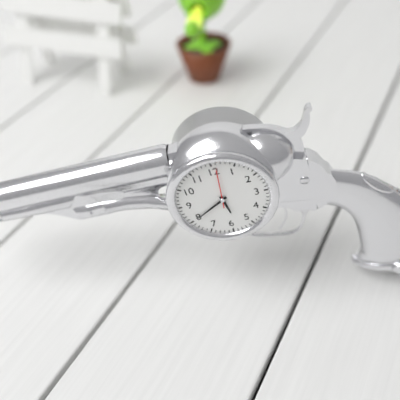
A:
h=5 m=40
